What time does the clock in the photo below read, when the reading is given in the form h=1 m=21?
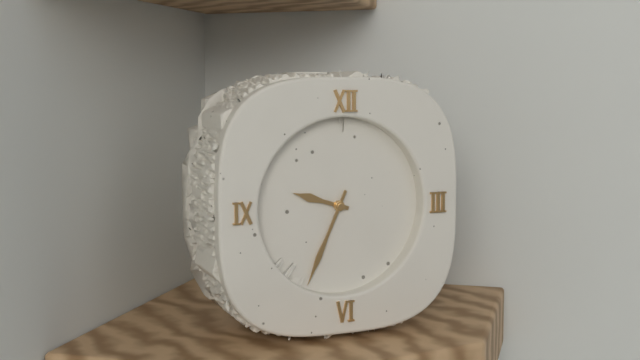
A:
h=9 m=34
